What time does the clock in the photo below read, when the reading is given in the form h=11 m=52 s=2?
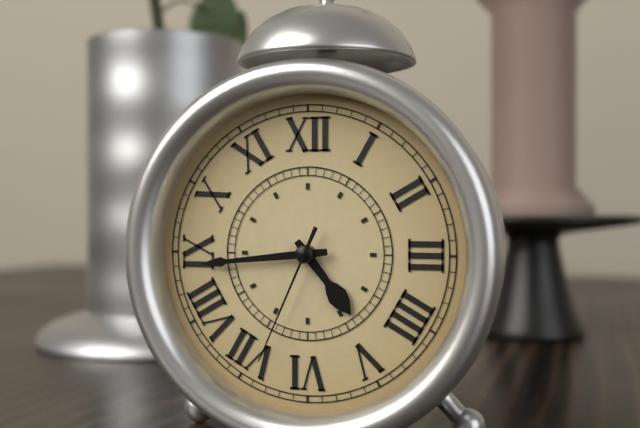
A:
h=4 m=44 s=34
